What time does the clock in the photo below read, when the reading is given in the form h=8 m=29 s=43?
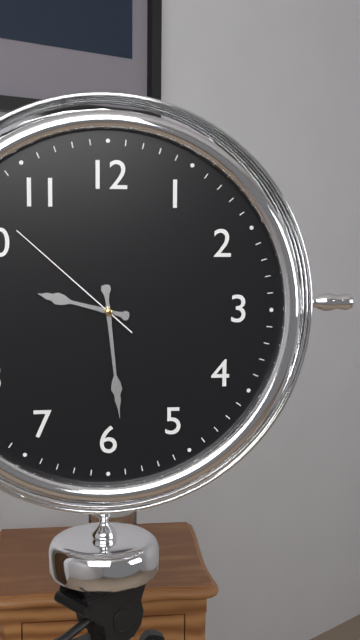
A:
h=9 m=29 s=52
